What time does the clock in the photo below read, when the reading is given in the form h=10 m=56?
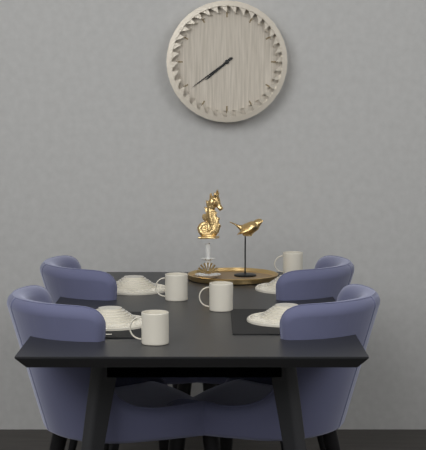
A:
h=7 m=39
